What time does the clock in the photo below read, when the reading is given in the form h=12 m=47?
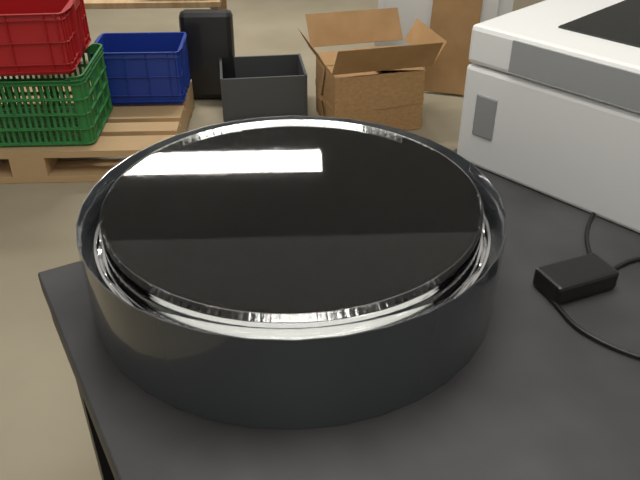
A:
h=4 m=48
